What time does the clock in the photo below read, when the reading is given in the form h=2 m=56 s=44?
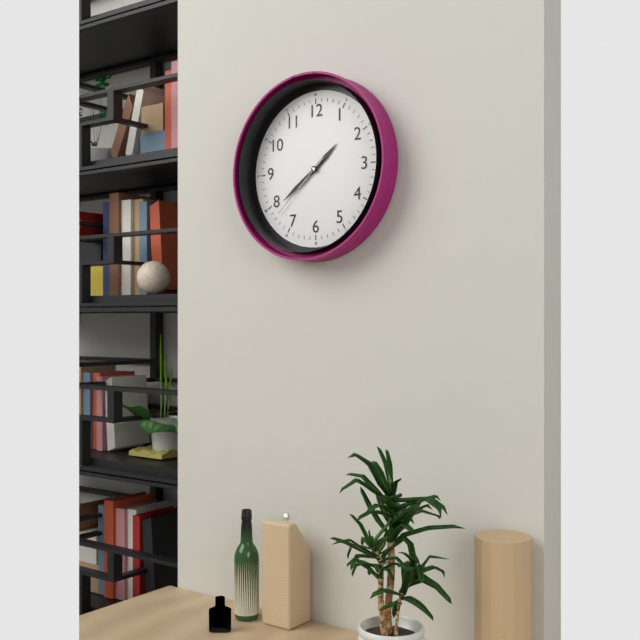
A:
h=1 m=39 s=38
